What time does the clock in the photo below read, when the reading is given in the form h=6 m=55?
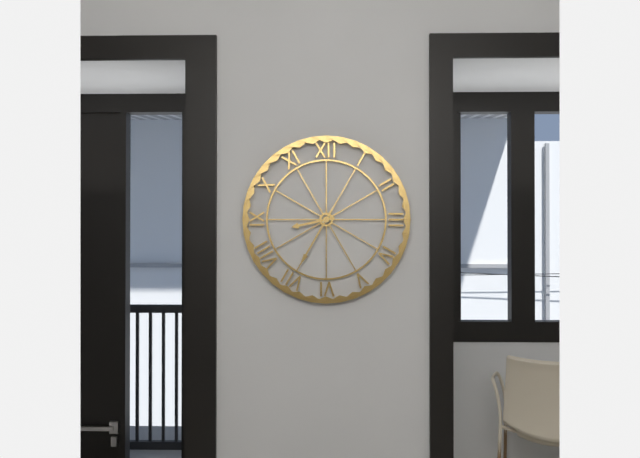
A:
h=8 m=35
